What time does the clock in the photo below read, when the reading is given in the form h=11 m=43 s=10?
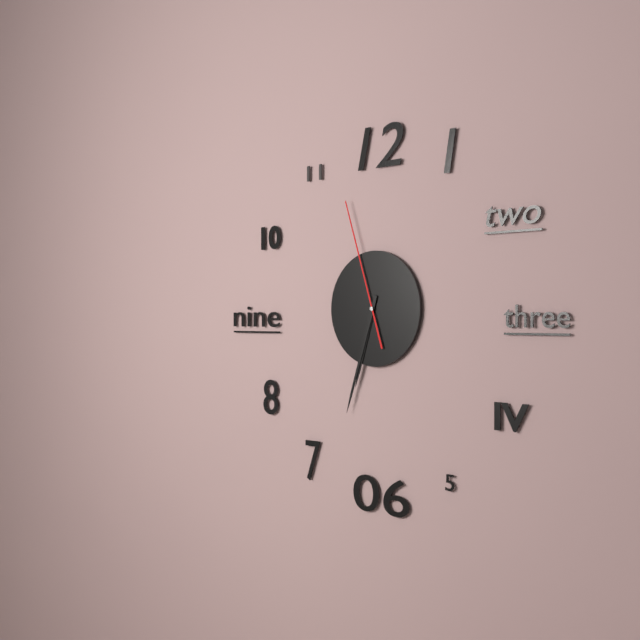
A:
h=6 m=33 s=57
